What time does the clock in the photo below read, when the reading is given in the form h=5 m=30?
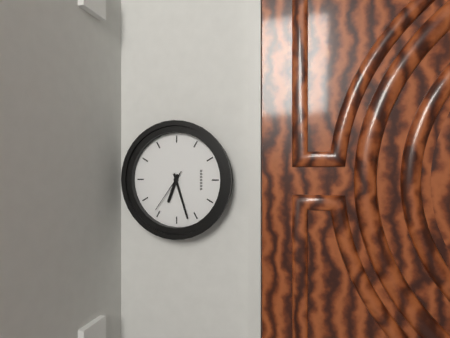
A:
h=9 m=42
